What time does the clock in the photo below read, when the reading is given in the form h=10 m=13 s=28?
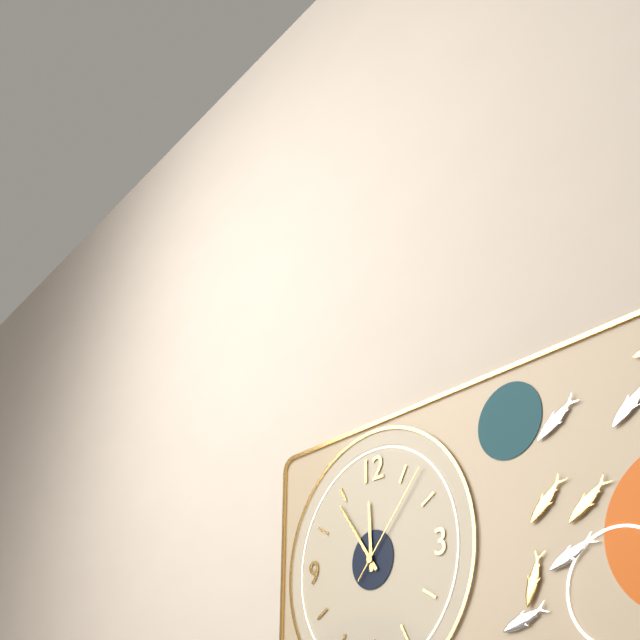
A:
h=11 m=54 s=7
